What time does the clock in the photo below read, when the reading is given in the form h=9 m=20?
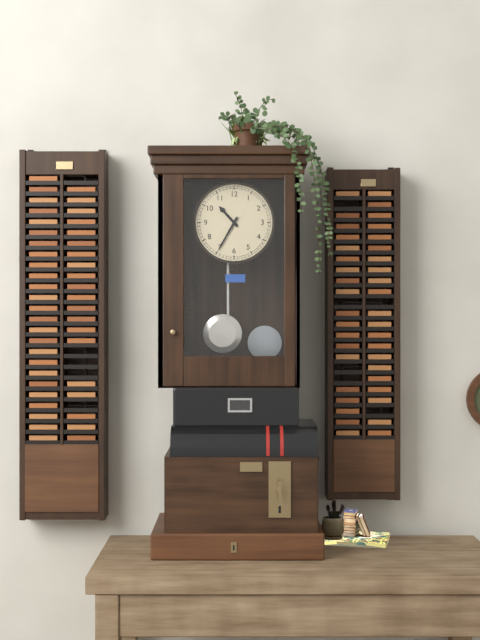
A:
h=10 m=35
